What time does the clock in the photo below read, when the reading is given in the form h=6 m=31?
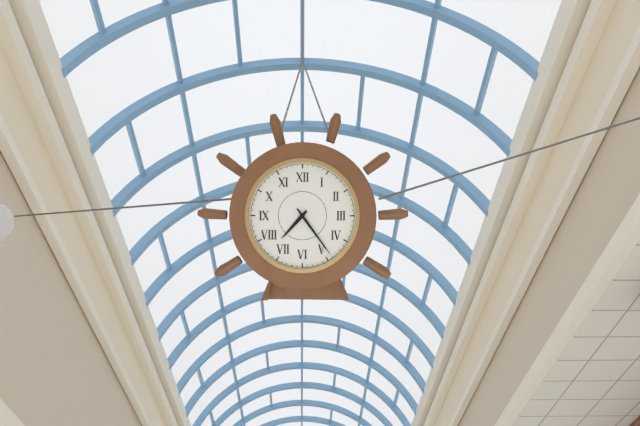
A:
h=7 m=24
